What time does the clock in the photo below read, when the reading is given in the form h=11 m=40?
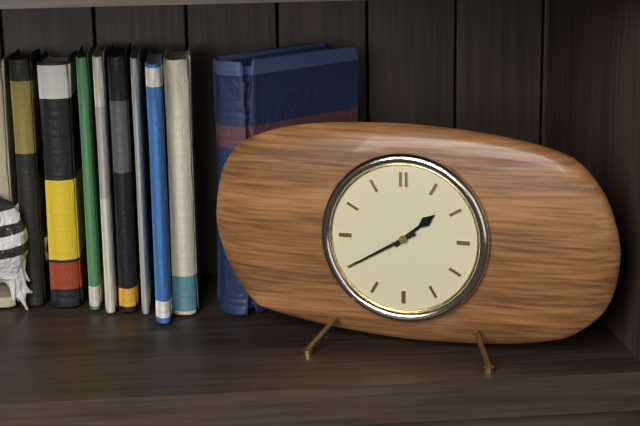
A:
h=1 m=40
